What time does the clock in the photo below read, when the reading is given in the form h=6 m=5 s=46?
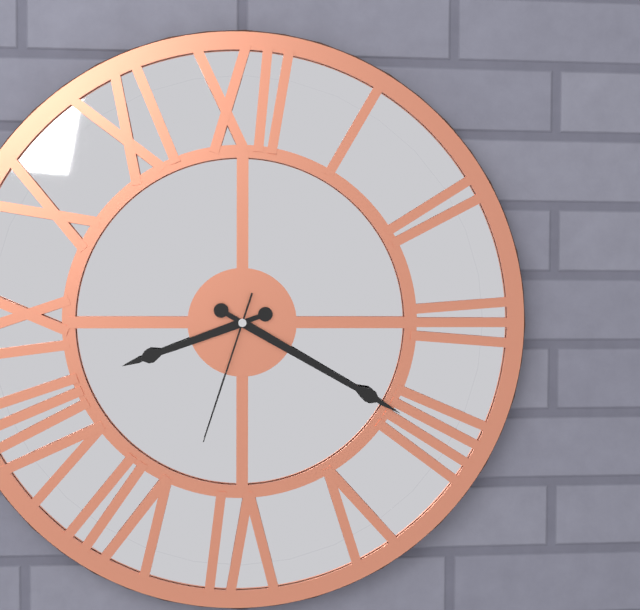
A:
h=8 m=20 s=33
